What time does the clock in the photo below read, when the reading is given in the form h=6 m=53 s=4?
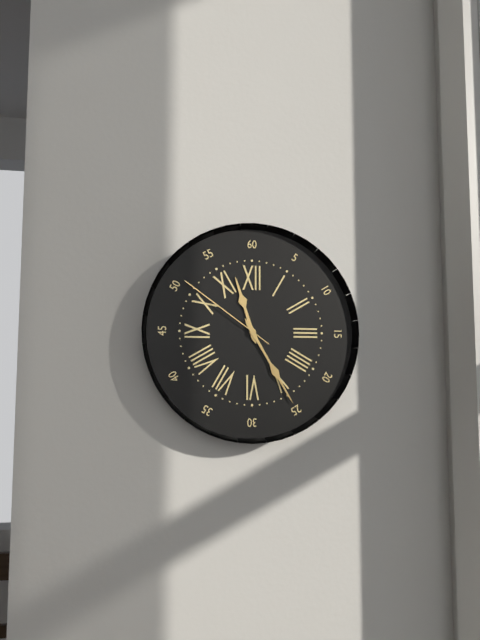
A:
h=11 m=25 s=51
